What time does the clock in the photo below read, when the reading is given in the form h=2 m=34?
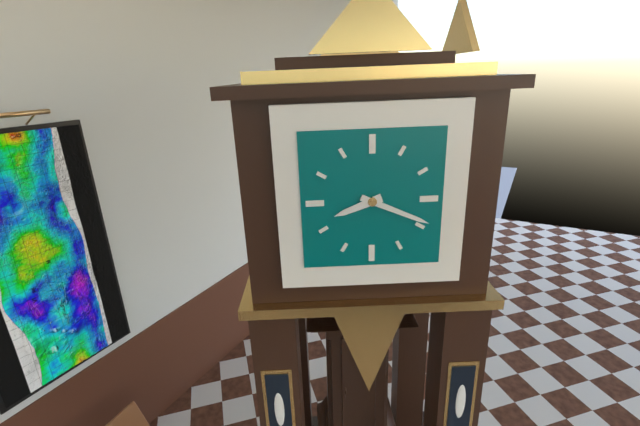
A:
h=8 m=19
